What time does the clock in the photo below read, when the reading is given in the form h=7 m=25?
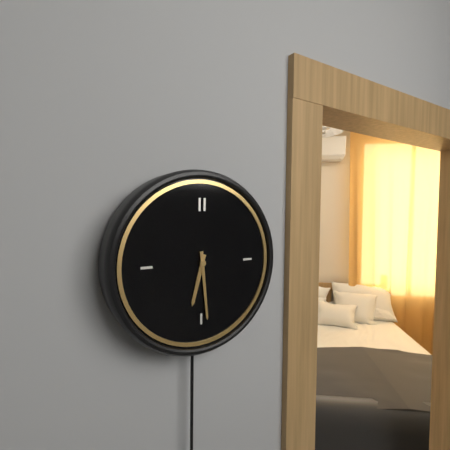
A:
h=6 m=29
